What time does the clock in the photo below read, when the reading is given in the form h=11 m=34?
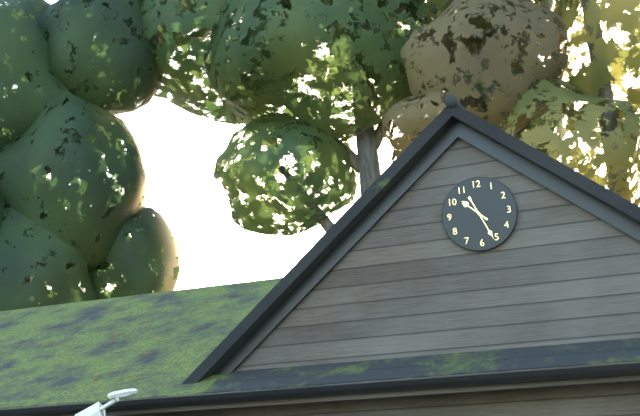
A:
h=10 m=26
